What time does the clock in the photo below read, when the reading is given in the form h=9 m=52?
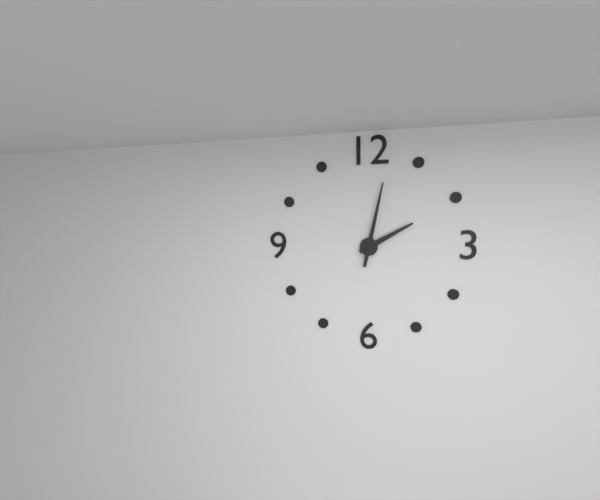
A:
h=2 m=2
